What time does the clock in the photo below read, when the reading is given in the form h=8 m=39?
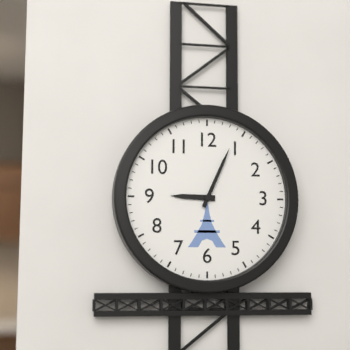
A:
h=9 m=4
